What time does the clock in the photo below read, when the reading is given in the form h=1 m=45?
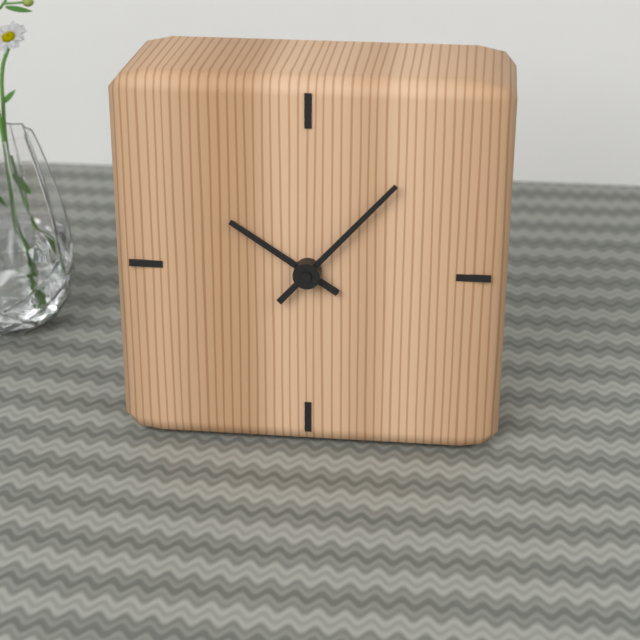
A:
h=10 m=7
